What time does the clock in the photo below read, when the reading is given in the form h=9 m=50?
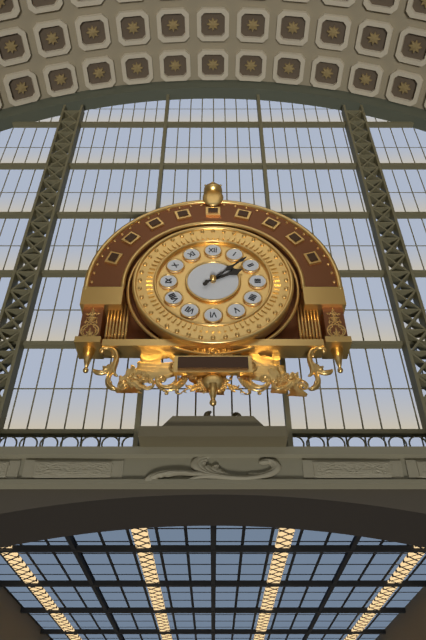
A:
h=2 m=8
